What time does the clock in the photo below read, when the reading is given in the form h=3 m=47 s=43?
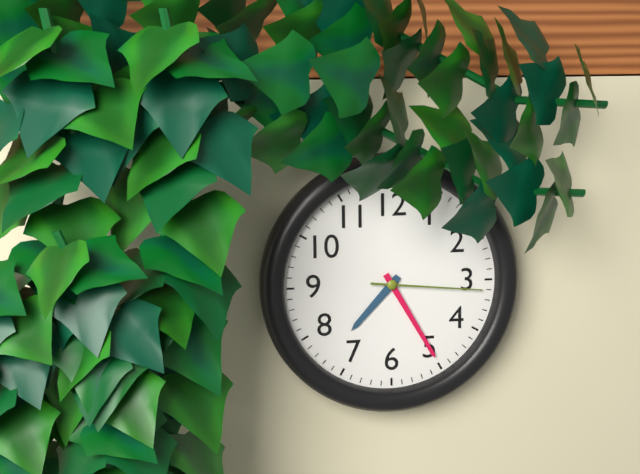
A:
h=7 m=25 s=16
